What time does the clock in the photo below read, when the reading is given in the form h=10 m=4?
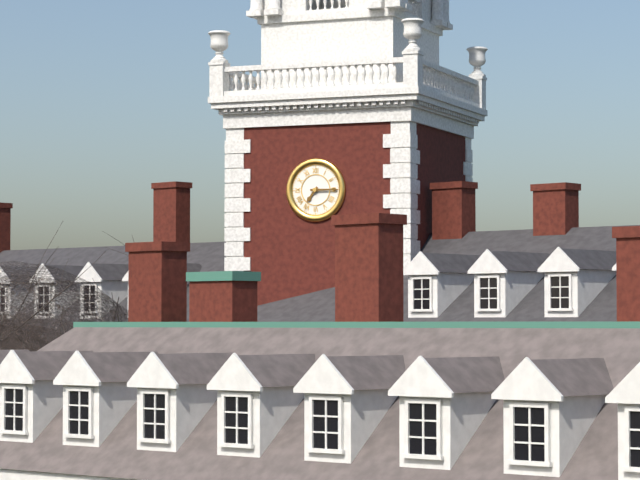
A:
h=7 m=15
